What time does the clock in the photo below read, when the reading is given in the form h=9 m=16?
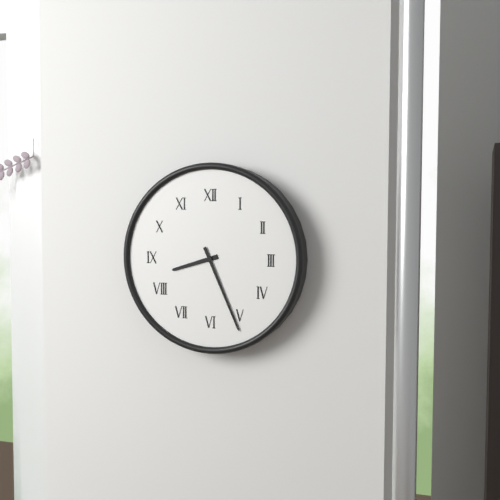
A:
h=8 m=26
